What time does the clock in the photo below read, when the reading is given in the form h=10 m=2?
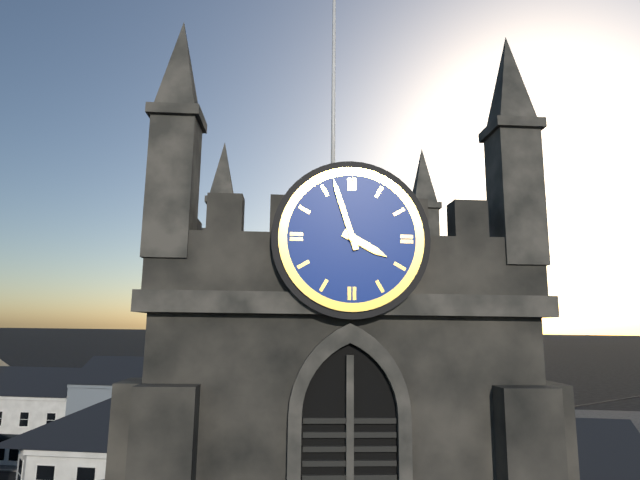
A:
h=3 m=57
